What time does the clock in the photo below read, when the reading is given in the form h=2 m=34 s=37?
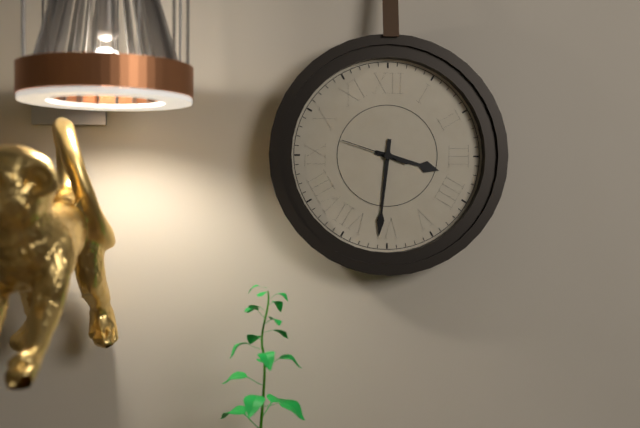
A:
h=3 m=31 s=48
